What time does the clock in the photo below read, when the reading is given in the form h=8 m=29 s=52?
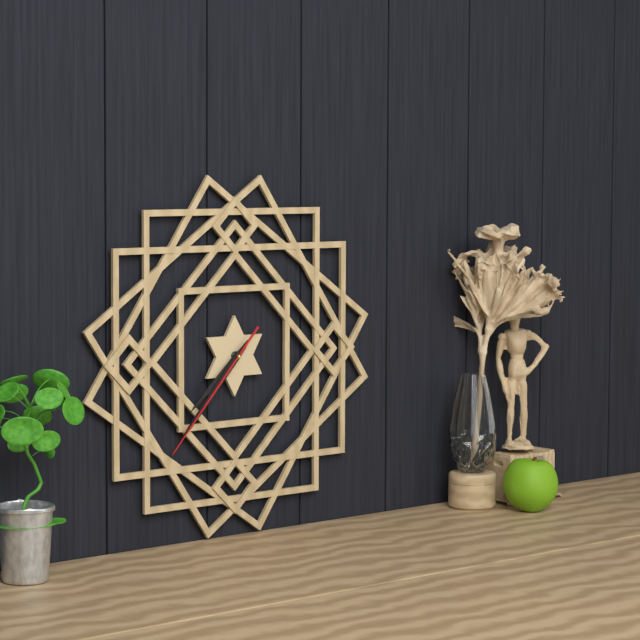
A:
h=7 m=37 s=37
